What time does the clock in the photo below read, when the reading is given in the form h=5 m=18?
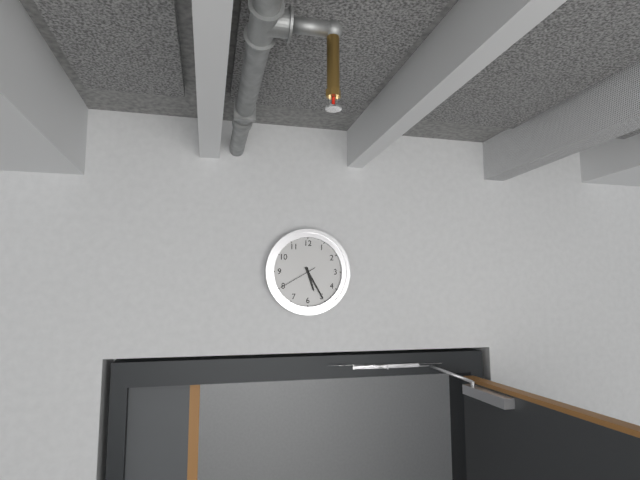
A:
h=5 m=25
